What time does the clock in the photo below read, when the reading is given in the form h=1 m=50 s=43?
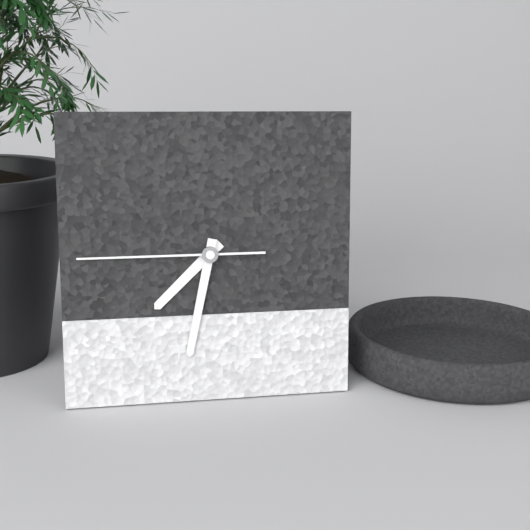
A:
h=7 m=32 s=45
